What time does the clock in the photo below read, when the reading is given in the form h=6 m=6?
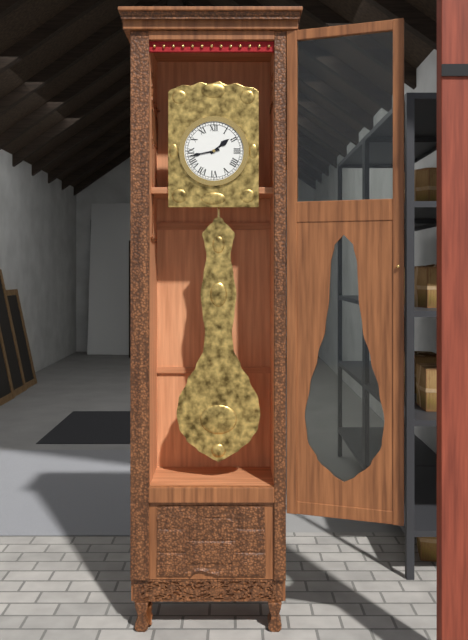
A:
h=1 m=43
